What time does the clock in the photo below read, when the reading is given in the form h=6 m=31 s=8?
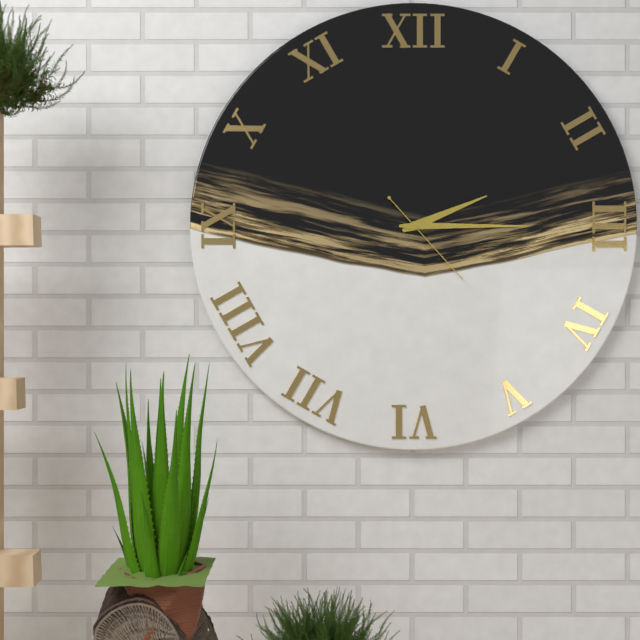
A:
h=2 m=15 s=23
